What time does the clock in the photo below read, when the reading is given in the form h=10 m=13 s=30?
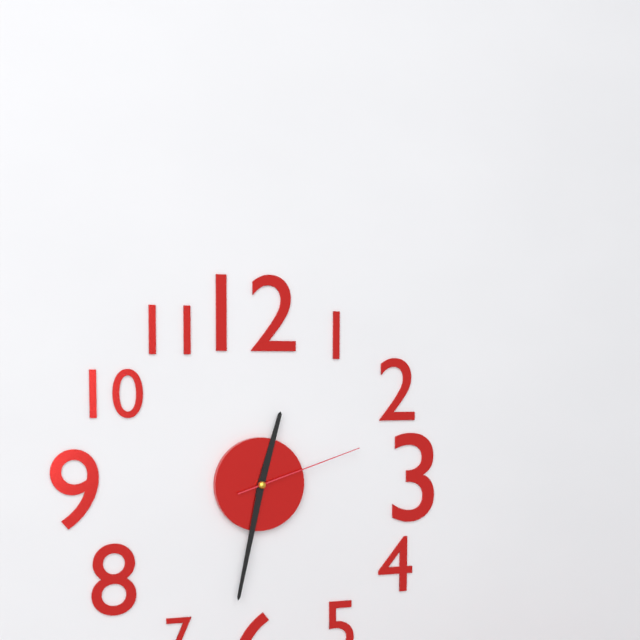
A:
h=12 m=32 s=12
